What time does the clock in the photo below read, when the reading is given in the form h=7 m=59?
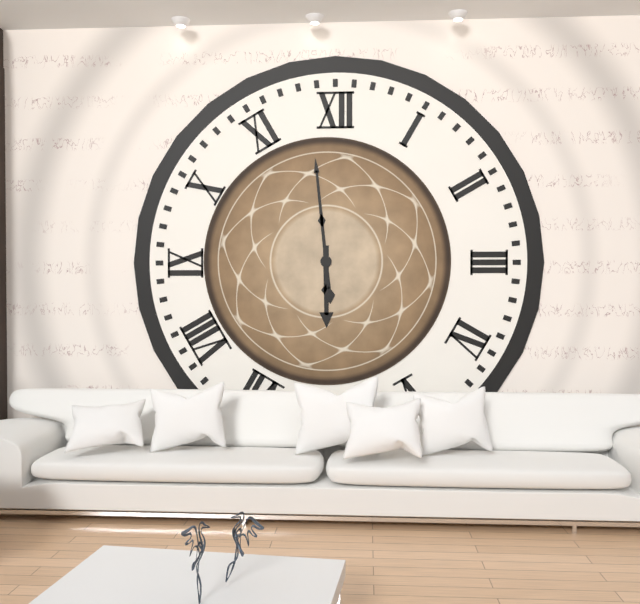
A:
h=5 m=59
